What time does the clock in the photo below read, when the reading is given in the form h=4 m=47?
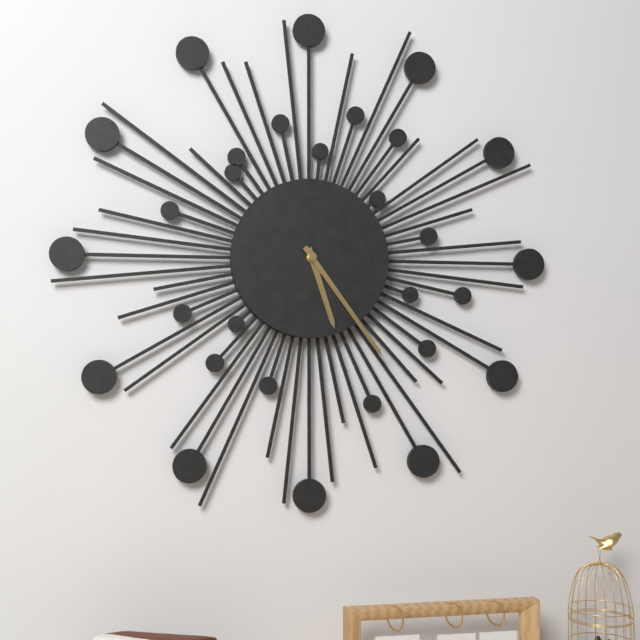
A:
h=5 m=24
